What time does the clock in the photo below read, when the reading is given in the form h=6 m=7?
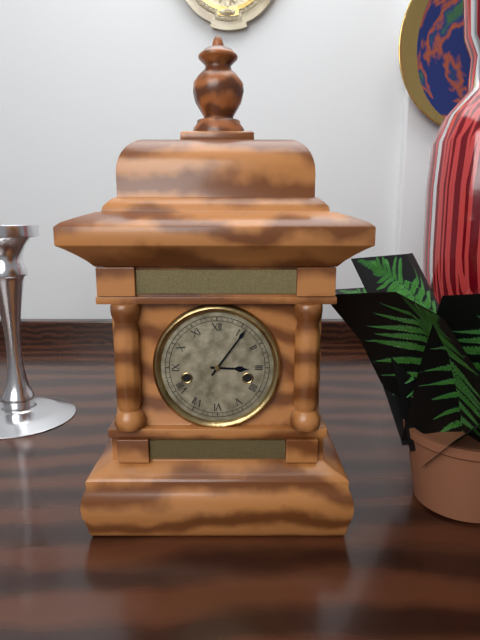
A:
h=3 m=6
